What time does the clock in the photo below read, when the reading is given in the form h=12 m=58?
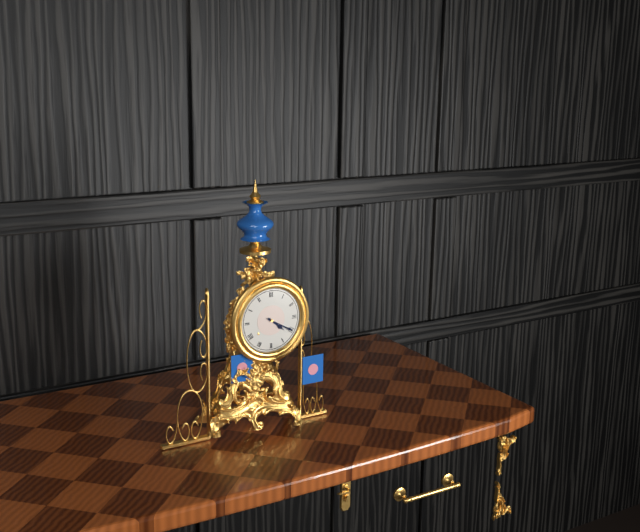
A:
h=4 m=20
